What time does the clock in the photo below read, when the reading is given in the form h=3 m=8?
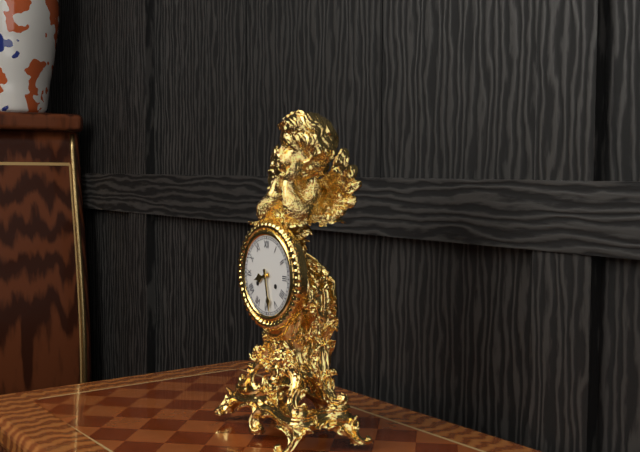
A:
h=8 m=28
